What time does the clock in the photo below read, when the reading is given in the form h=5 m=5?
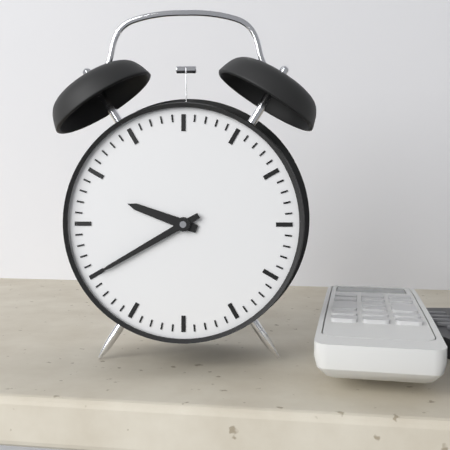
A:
h=9 m=40
